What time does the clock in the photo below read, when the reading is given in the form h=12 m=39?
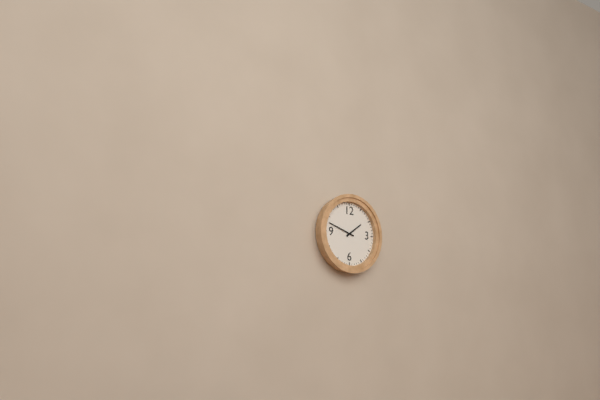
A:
h=1 m=48
